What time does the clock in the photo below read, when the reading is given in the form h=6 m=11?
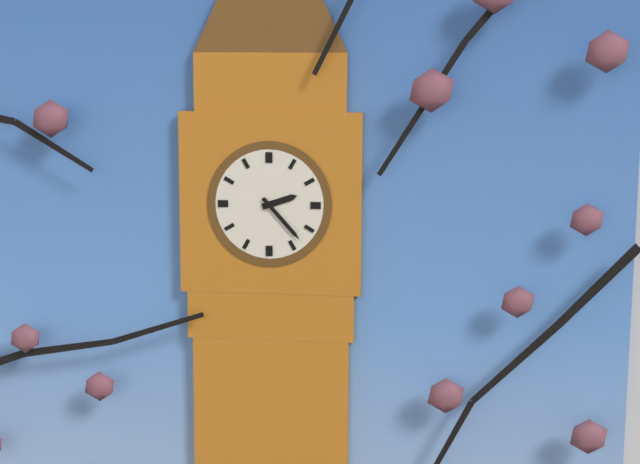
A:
h=2 m=23
